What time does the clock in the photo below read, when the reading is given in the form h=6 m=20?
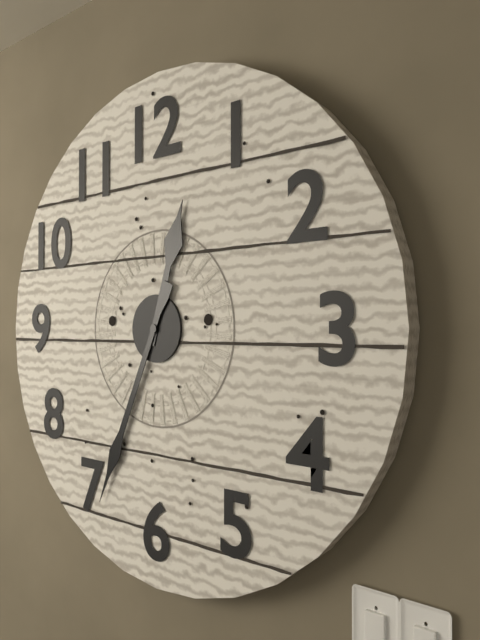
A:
h=12 m=34
